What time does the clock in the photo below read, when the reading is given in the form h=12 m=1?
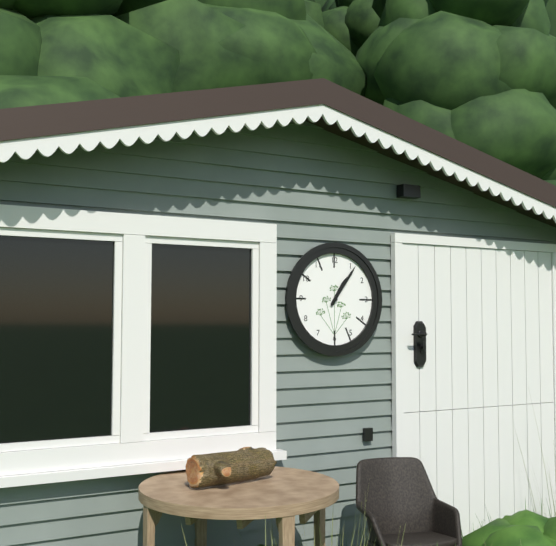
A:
h=1 m=6
